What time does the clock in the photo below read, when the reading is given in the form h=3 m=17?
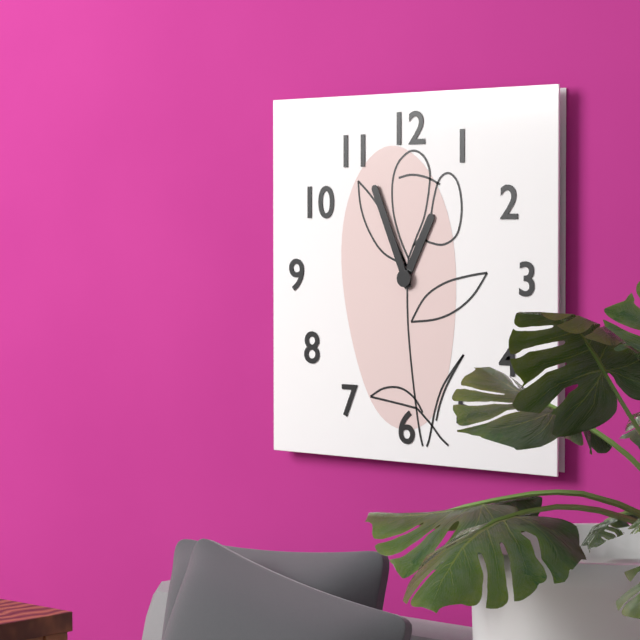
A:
h=12 m=56
